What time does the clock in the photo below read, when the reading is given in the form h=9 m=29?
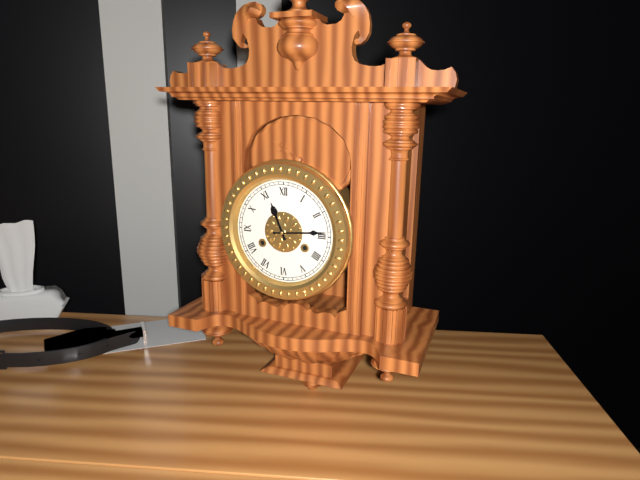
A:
h=11 m=14
